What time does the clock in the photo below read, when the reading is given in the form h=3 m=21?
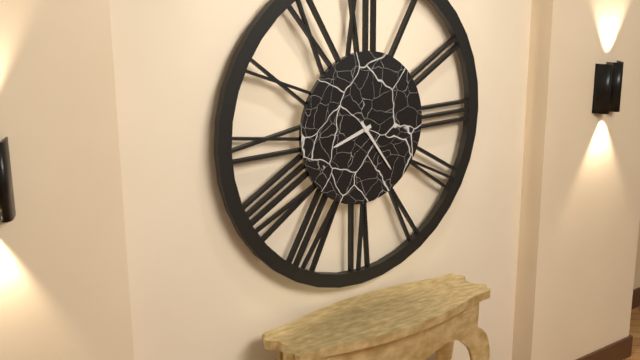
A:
h=8 m=24
